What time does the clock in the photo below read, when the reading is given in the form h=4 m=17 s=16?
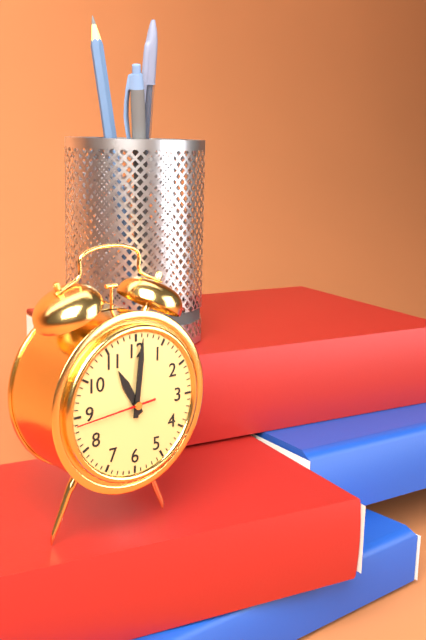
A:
h=11 m=1 s=44
